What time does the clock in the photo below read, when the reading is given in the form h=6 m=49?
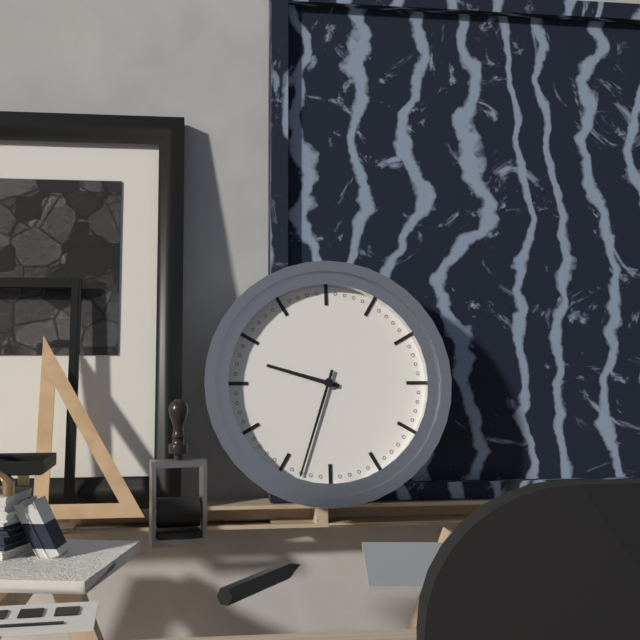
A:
h=9 m=33
